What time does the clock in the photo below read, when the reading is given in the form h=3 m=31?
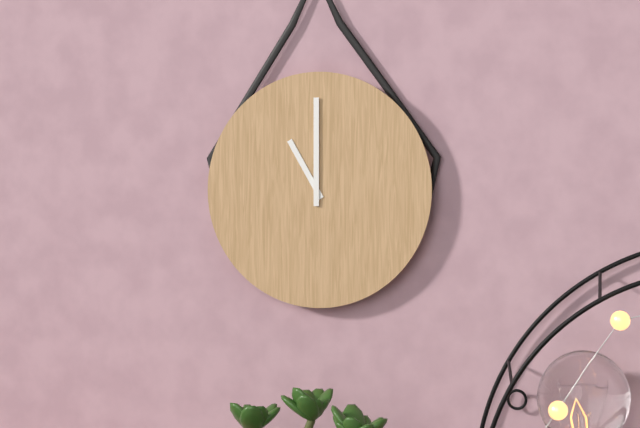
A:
h=11 m=0
